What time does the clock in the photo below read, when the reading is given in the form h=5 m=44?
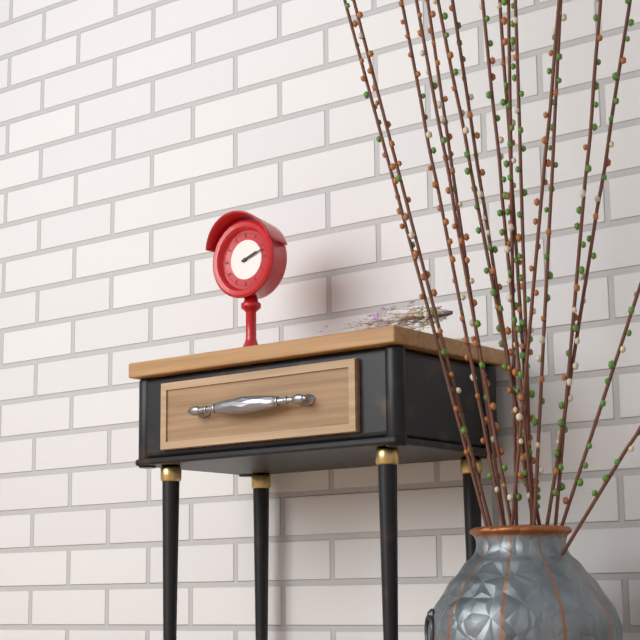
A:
h=2 m=12
